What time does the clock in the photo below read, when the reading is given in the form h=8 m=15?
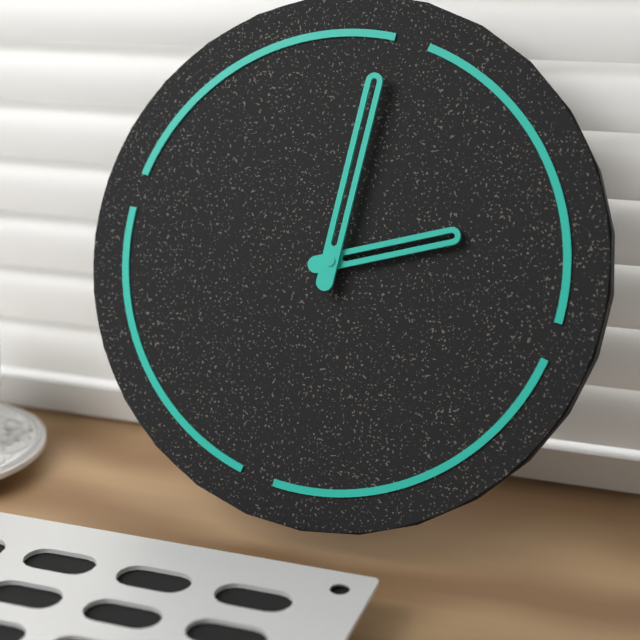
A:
h=1 m=59
